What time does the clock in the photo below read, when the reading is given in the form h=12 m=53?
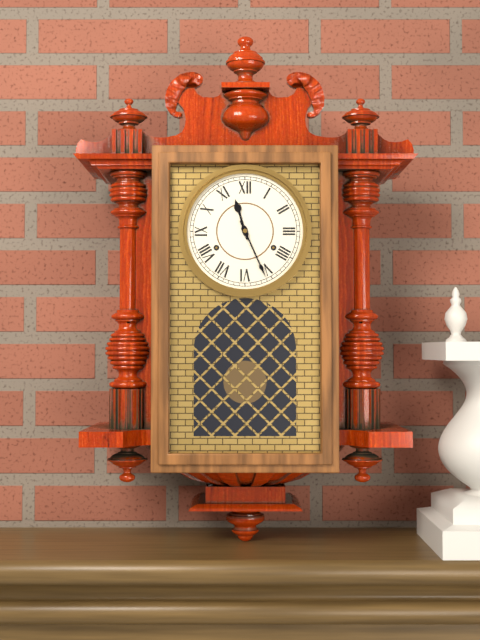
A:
h=11 m=26
